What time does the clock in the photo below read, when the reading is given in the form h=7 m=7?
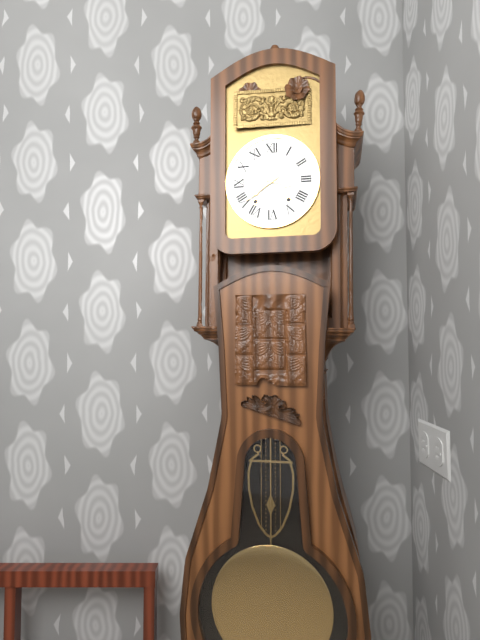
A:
h=3 m=39
